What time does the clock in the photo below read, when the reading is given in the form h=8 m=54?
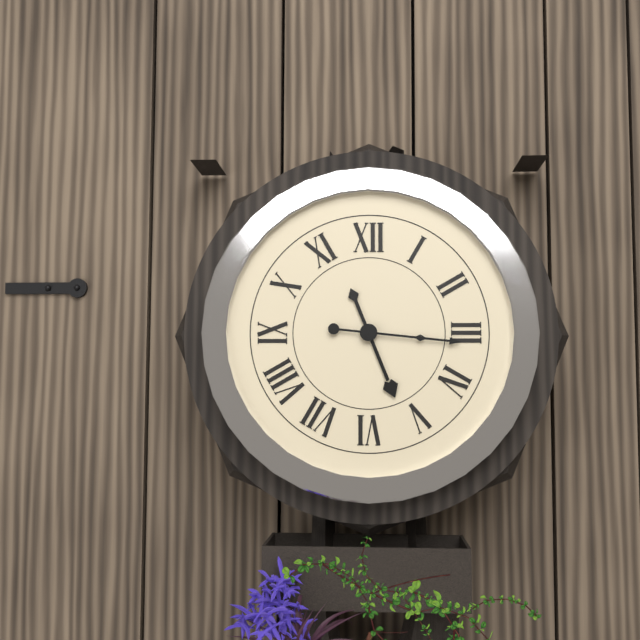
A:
h=5 m=16
